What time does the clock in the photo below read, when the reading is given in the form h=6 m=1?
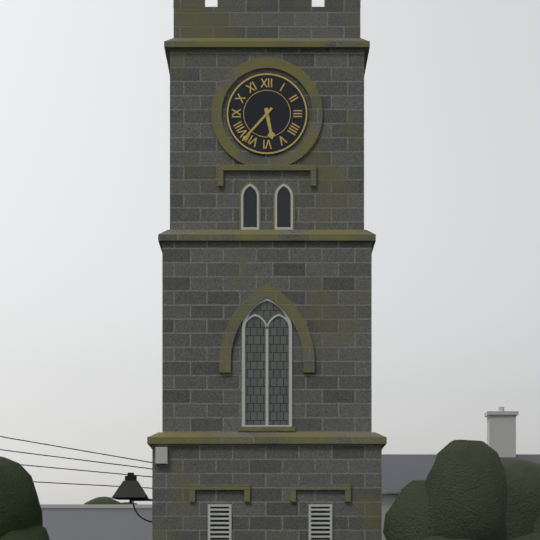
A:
h=5 m=37
